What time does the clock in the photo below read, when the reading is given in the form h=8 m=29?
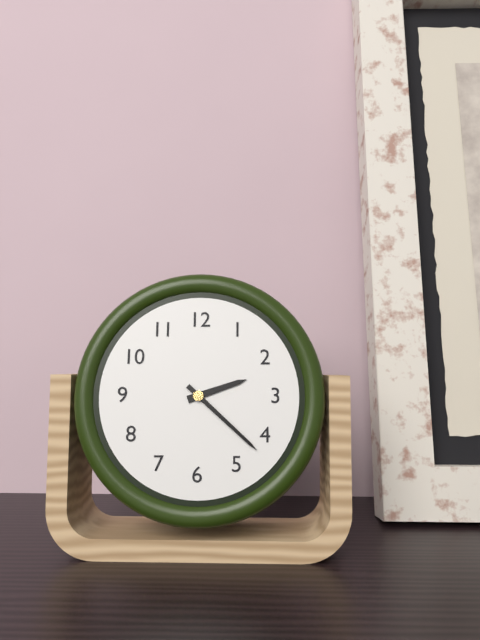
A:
h=2 m=22
